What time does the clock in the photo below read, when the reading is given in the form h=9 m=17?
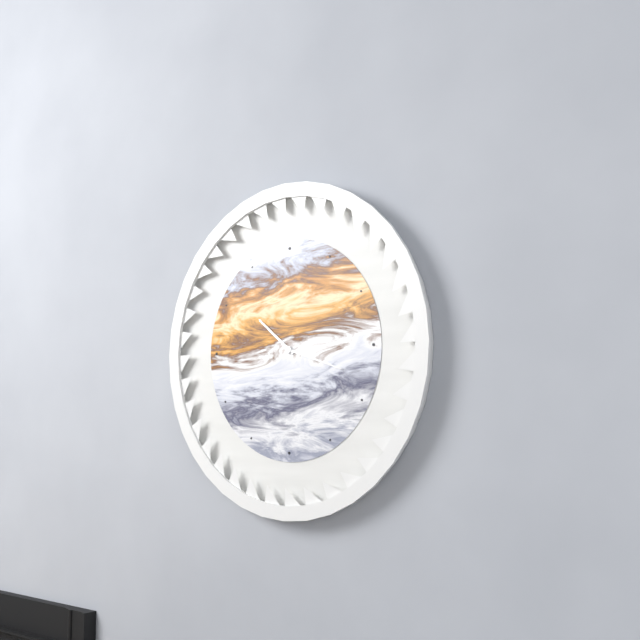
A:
h=10 m=18
